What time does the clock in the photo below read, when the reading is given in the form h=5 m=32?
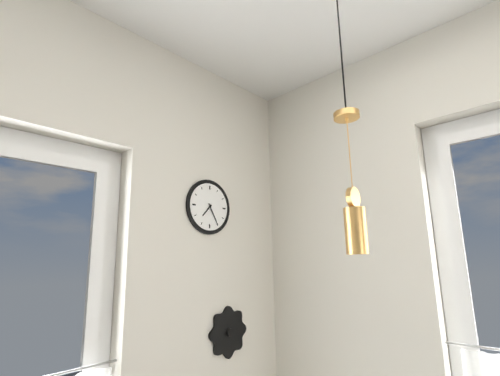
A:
h=7 m=25
